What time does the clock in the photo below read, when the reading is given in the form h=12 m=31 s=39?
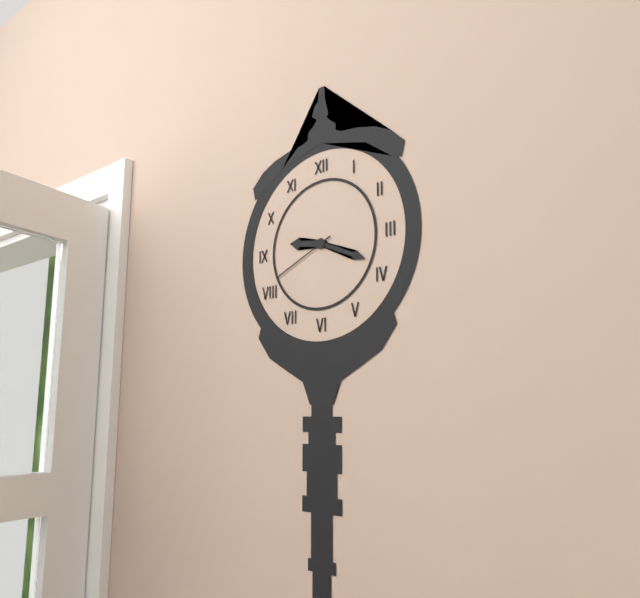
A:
h=9 m=19 s=41
